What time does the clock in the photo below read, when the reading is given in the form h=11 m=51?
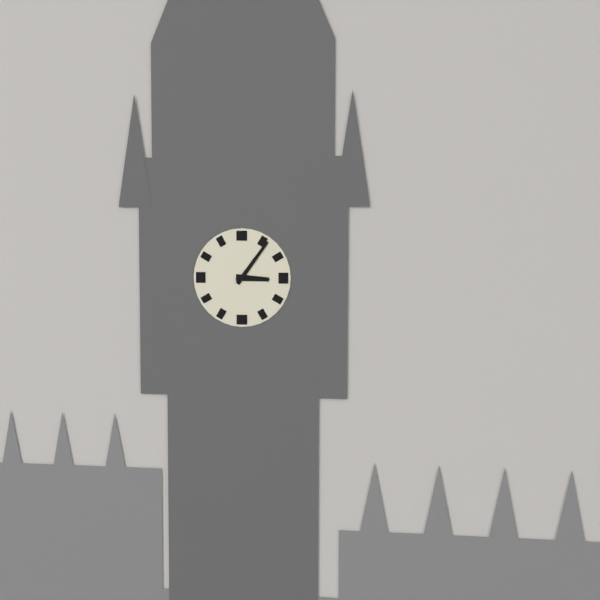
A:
h=3 m=6
